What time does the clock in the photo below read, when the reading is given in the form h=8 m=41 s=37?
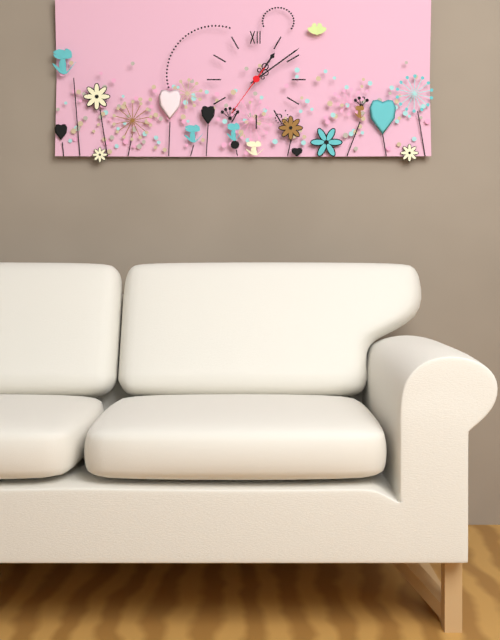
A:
h=1 m=9 s=36
